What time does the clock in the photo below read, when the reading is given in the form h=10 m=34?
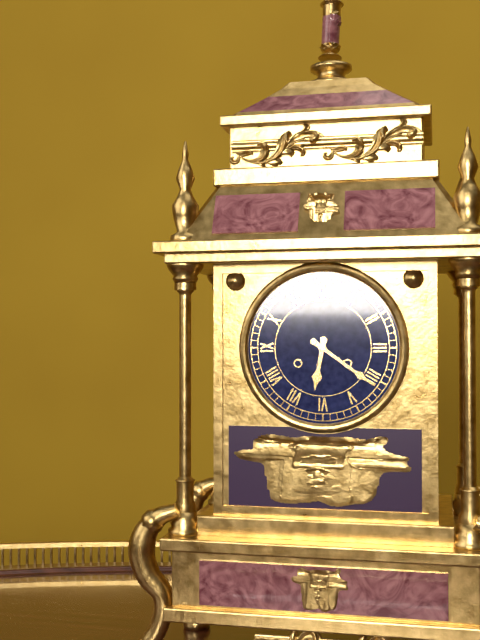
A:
h=6 m=21
